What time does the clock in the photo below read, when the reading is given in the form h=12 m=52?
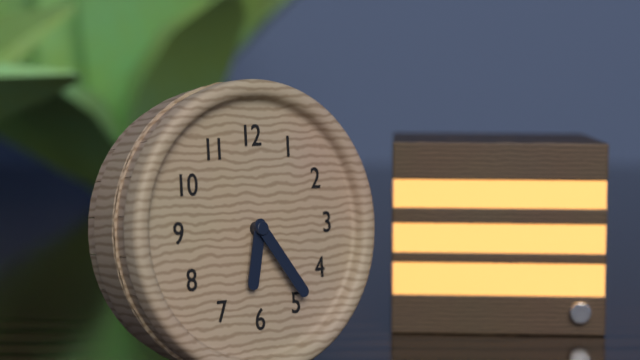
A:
h=6 m=24
